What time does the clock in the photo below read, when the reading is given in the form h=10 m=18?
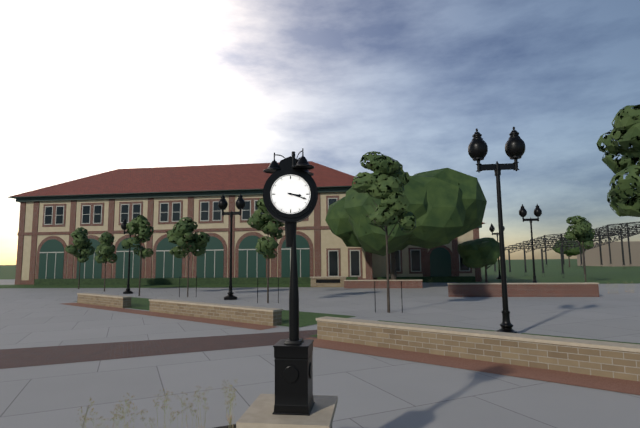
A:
h=3 m=18
